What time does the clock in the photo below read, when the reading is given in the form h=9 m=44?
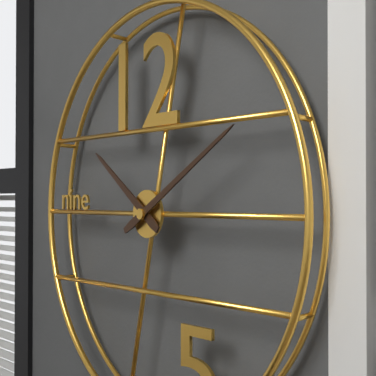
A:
h=10 m=10
